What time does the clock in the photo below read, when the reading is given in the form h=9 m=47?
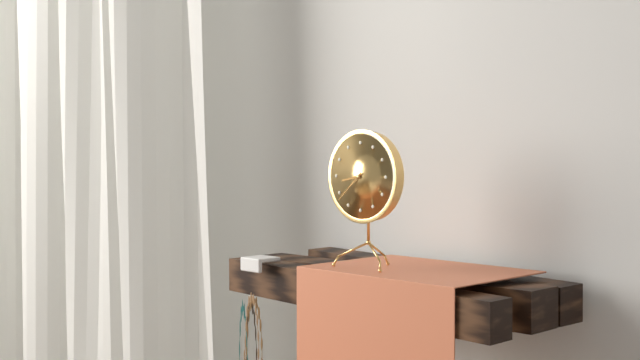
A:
h=8 m=38
